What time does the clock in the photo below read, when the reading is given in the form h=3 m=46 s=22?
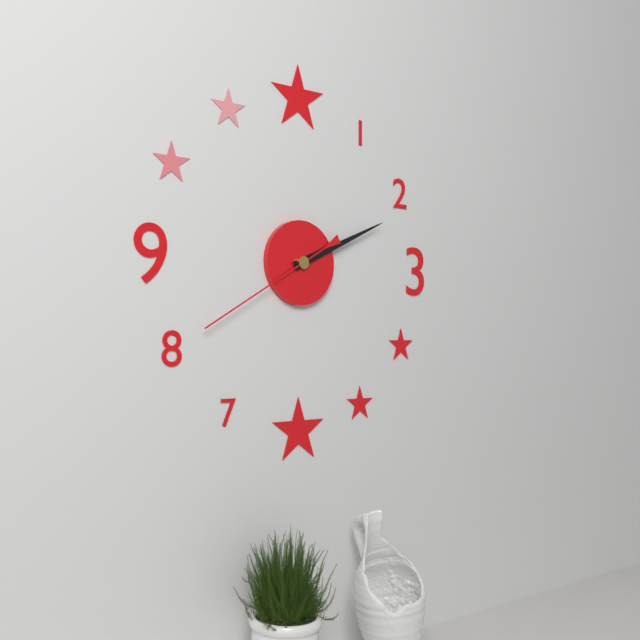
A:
h=2 m=11 s=40
